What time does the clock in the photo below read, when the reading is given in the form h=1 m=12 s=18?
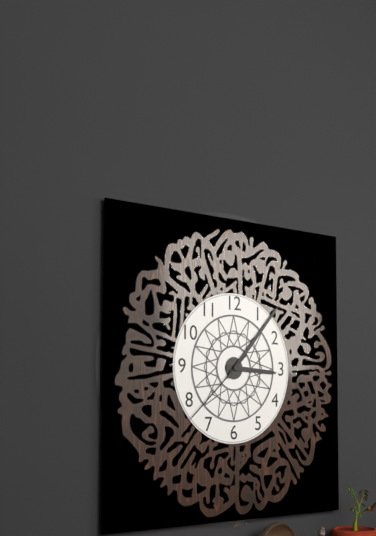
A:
h=3 m=7 s=38
